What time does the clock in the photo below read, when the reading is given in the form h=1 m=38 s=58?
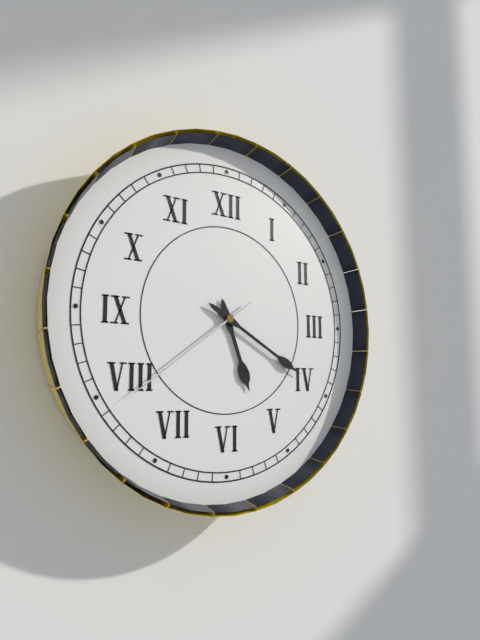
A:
h=5 m=20 s=39
